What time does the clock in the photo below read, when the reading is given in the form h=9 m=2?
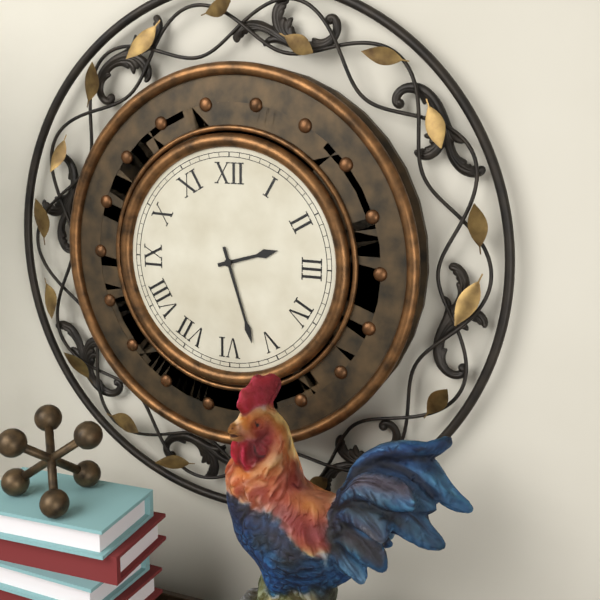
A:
h=2 m=27
